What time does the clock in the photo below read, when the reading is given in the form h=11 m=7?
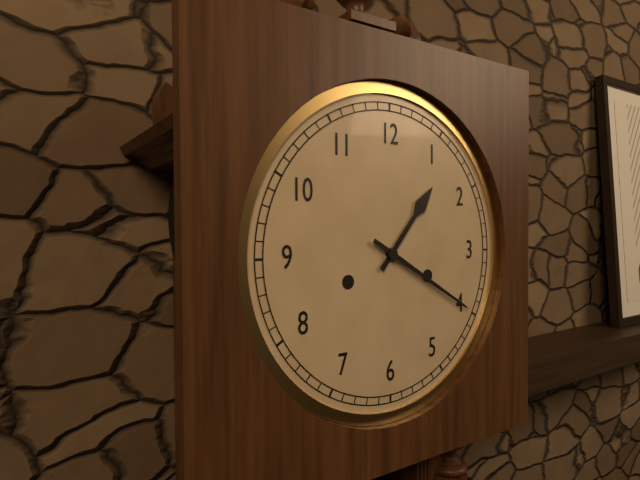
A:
h=1 m=20
